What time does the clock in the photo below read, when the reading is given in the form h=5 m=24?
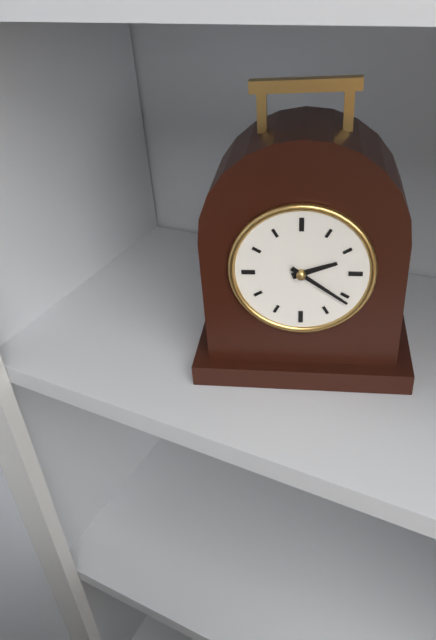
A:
h=2 m=21
